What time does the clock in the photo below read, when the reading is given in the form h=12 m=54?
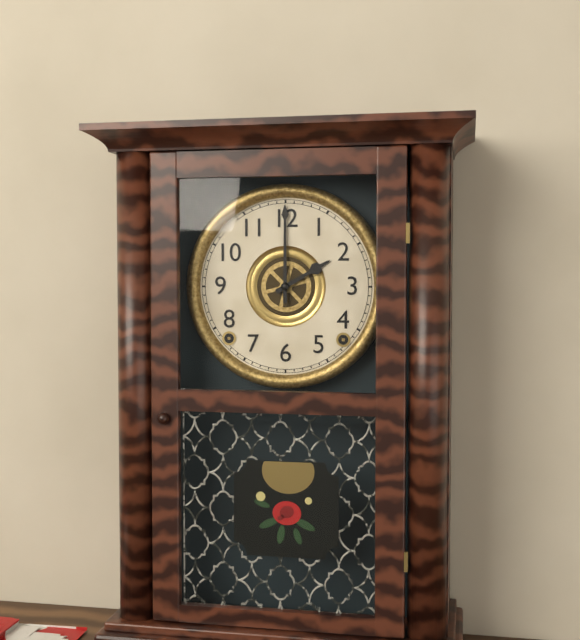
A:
h=2 m=0
